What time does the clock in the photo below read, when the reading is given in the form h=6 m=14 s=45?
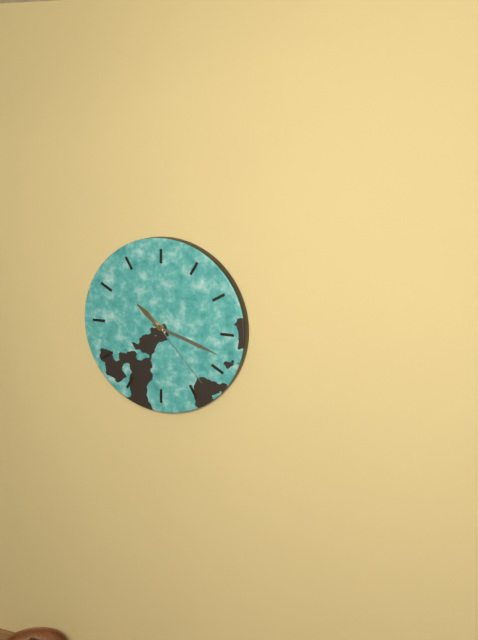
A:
h=10 m=18 s=23
